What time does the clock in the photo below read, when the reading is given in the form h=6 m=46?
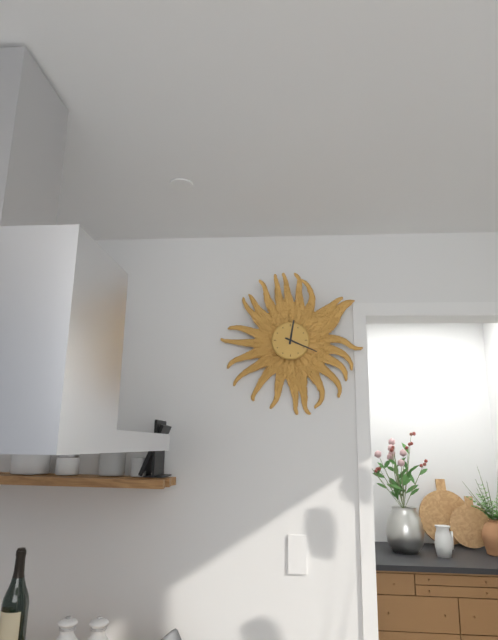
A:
h=12 m=19
